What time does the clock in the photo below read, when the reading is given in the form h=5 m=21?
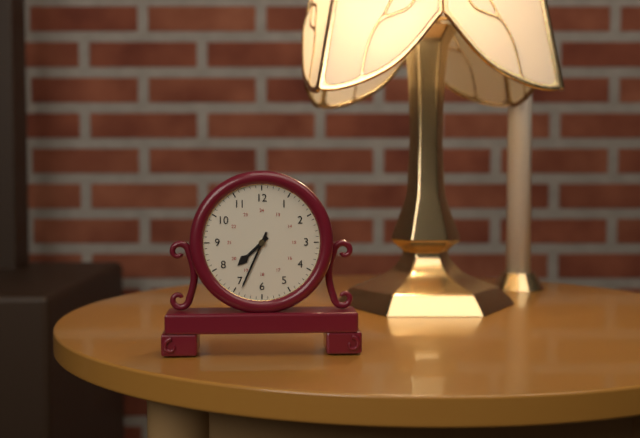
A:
h=7 m=34
